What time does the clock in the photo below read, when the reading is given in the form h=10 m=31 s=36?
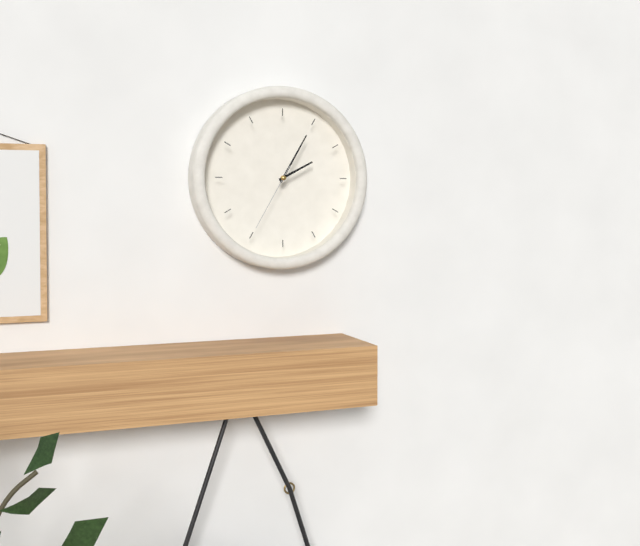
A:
h=2 m=5 s=35
